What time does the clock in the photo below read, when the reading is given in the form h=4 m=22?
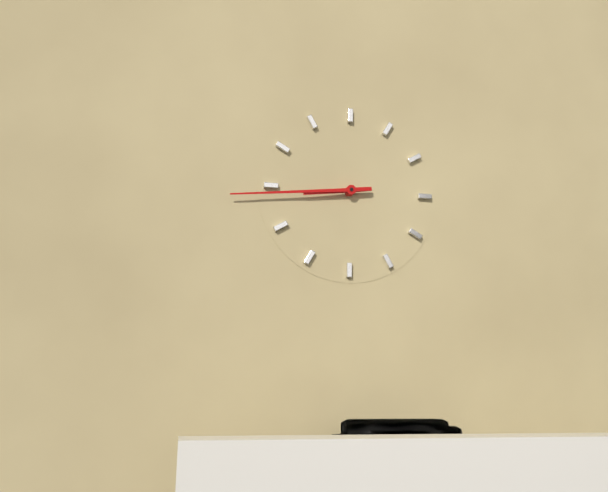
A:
h=8 m=44
